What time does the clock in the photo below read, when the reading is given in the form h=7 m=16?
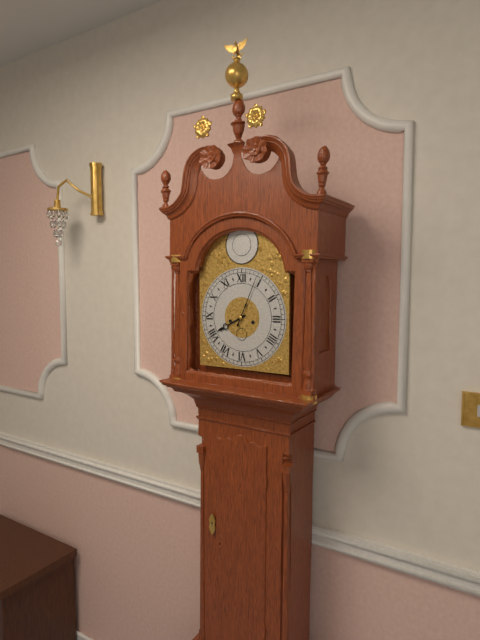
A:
h=8 m=4
